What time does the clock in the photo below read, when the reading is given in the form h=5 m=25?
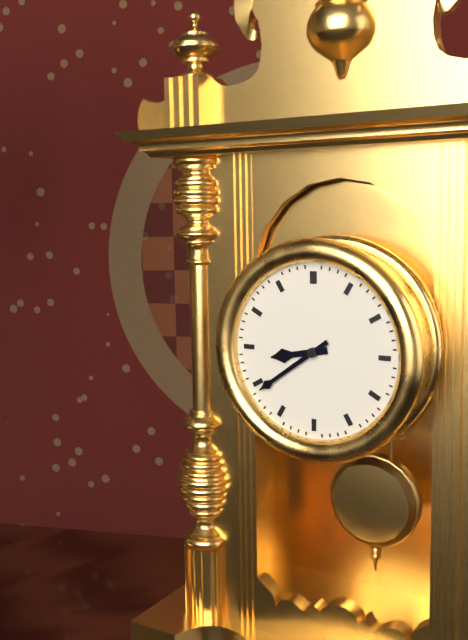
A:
h=8 m=39
